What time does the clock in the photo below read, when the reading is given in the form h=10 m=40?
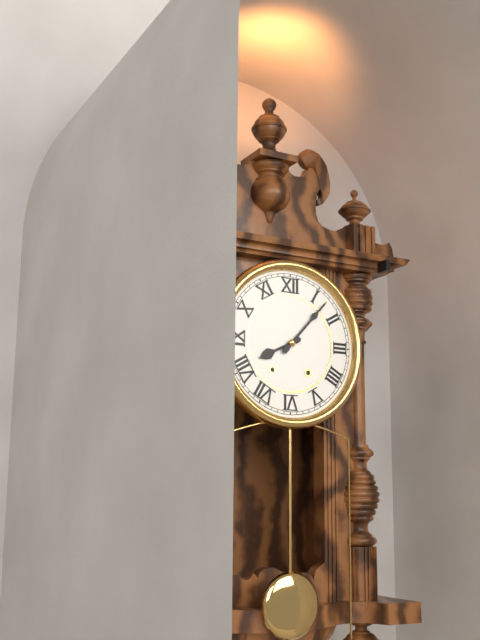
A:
h=8 m=7
